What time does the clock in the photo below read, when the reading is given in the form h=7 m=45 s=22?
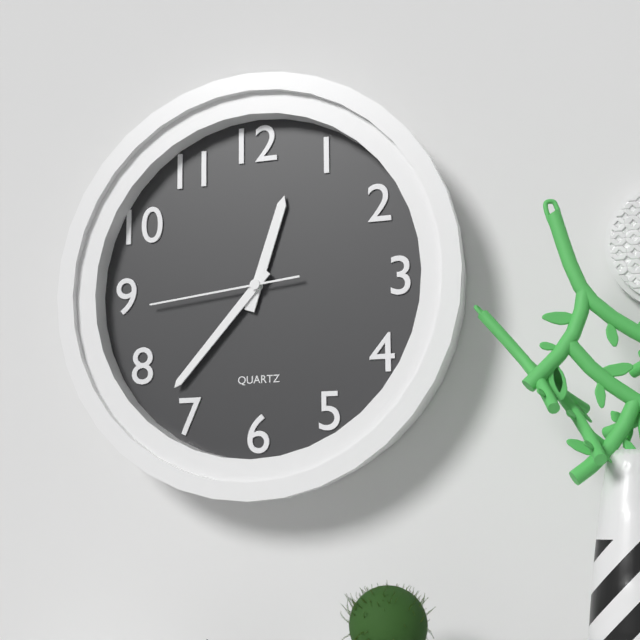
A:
h=12 m=37 s=44
